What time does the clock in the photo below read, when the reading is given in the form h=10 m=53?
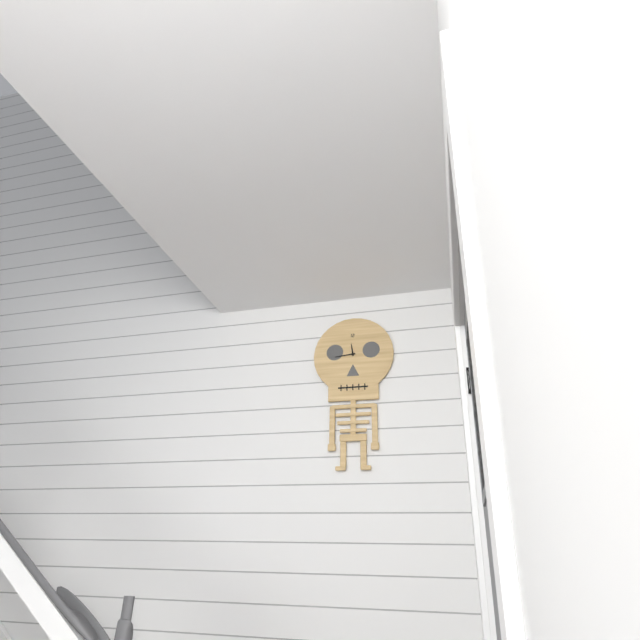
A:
h=11 m=44
